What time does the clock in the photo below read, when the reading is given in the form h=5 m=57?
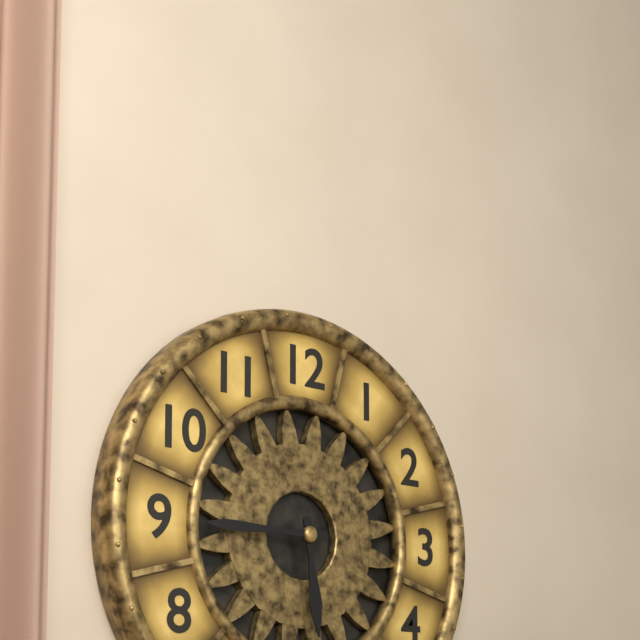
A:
h=5 m=45
